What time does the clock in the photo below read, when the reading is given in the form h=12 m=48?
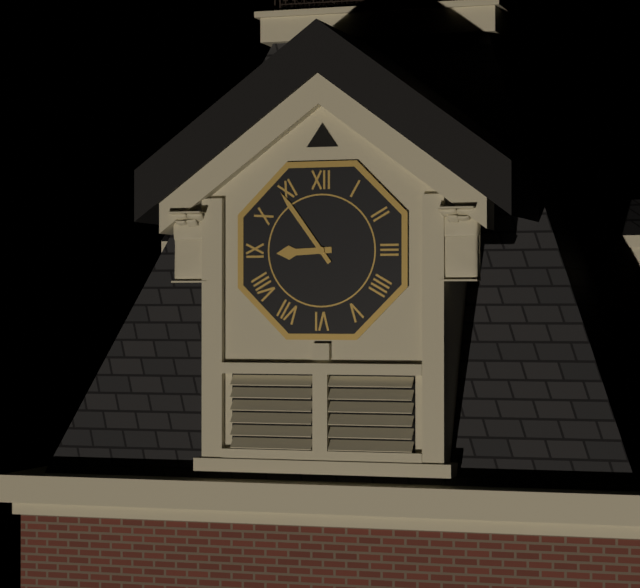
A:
h=8 m=54
